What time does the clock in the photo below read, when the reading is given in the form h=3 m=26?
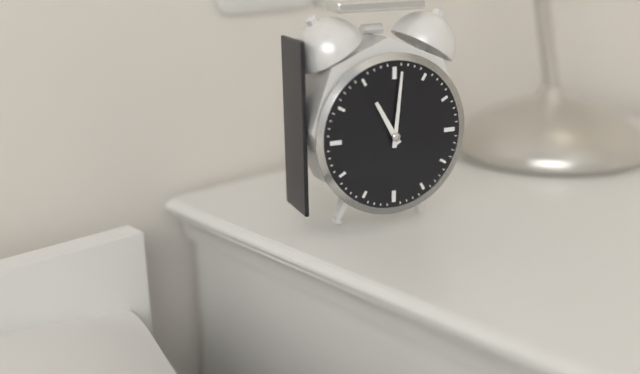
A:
h=11 m=1
